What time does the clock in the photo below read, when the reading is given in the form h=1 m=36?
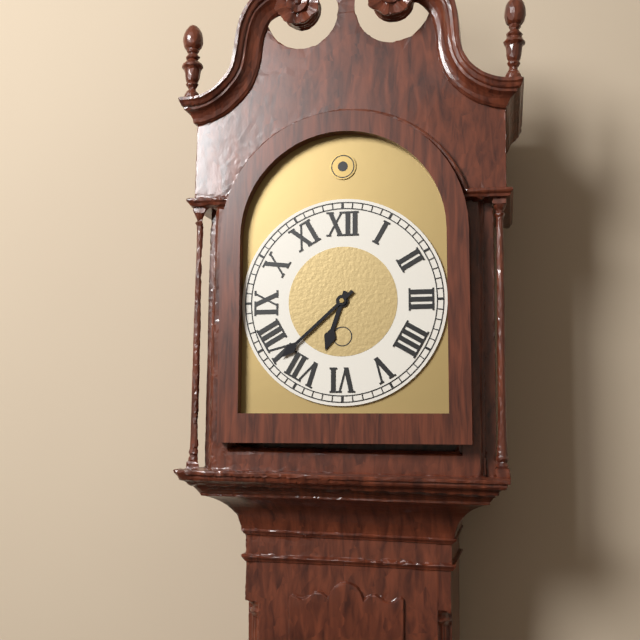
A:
h=6 m=38
